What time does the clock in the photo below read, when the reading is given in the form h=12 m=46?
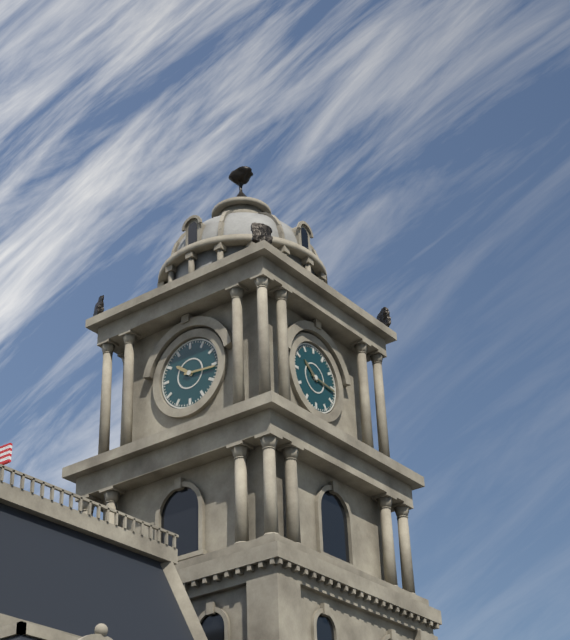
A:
h=10 m=16
